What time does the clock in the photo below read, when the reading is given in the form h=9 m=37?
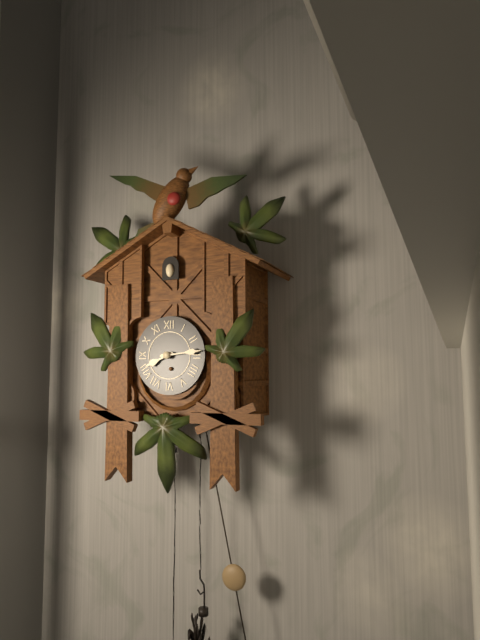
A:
h=8 m=14
